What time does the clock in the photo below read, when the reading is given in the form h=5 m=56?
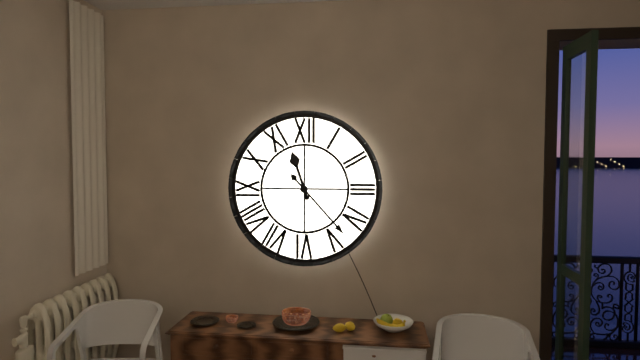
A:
h=11 m=23
